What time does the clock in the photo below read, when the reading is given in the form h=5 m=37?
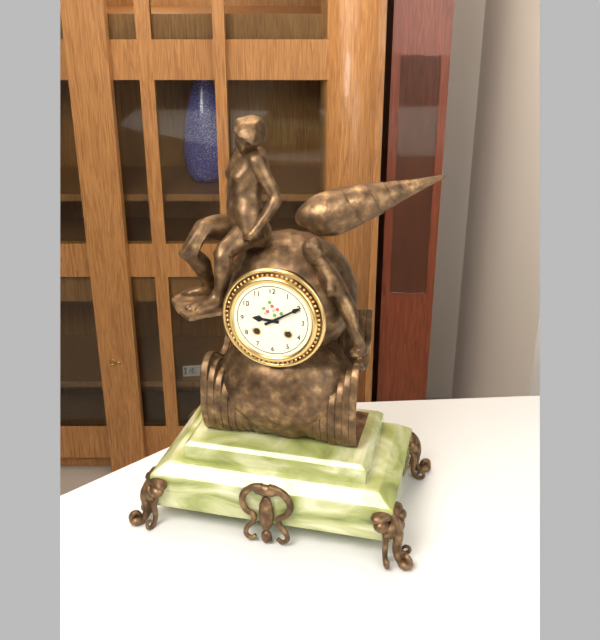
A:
h=9 m=10
